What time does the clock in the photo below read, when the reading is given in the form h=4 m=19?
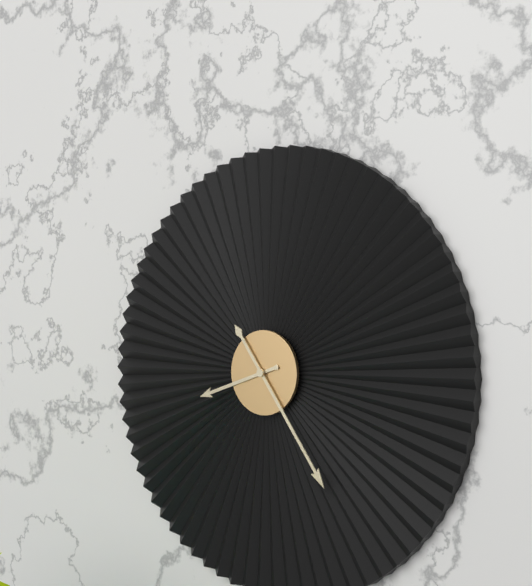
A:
h=8 m=24
